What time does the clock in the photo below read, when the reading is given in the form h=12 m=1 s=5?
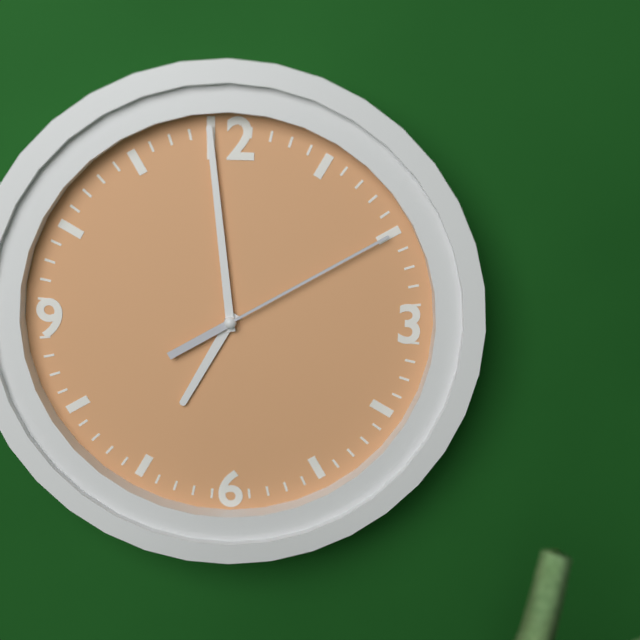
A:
h=6 m=59 s=10
